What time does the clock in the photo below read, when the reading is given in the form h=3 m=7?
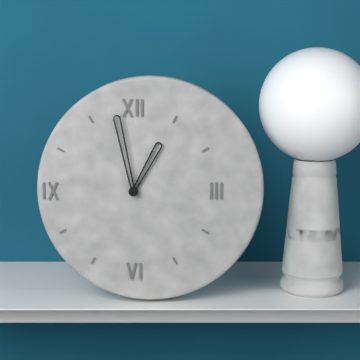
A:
h=12 m=58
